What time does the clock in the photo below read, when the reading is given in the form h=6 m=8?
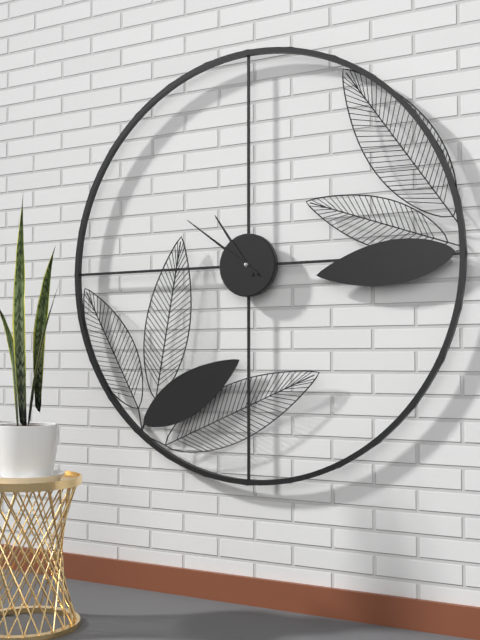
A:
h=10 m=51
